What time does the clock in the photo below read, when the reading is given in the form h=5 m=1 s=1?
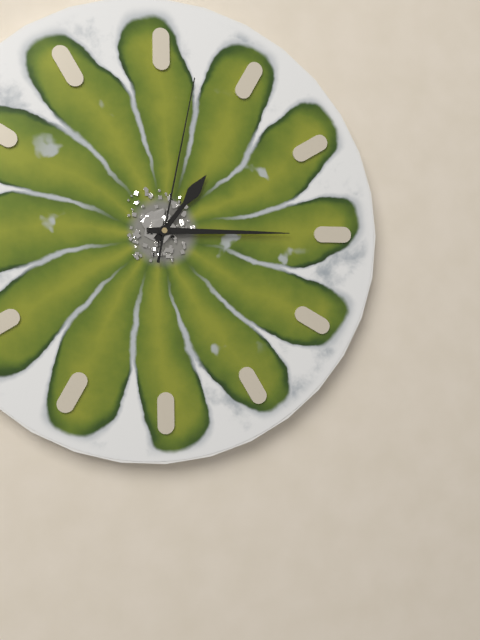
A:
h=1 m=15 s=2
